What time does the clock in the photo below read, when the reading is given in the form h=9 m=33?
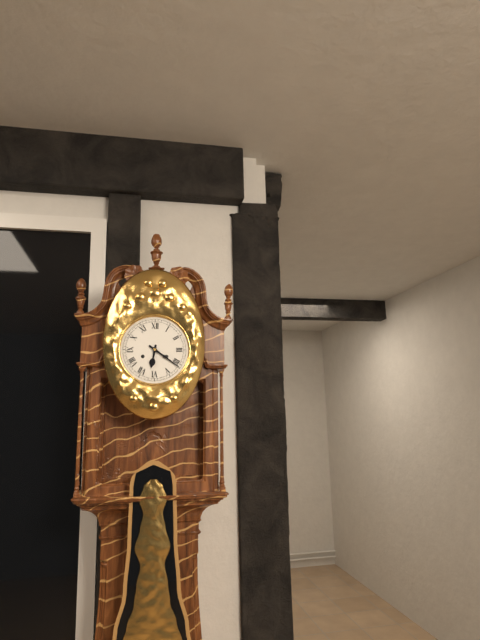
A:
h=6 m=21
